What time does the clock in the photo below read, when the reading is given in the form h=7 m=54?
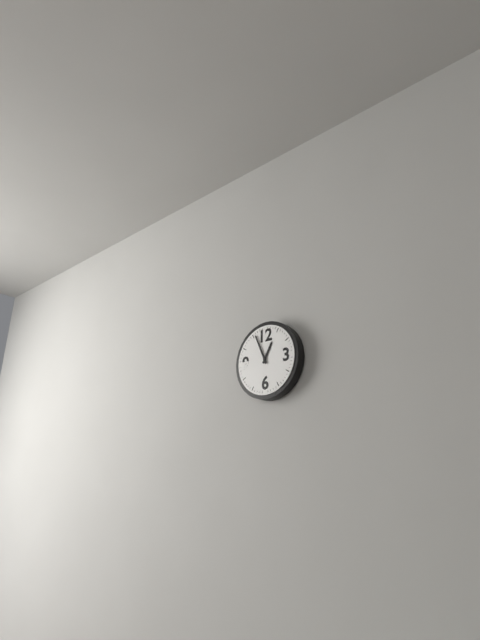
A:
h=12 m=56
